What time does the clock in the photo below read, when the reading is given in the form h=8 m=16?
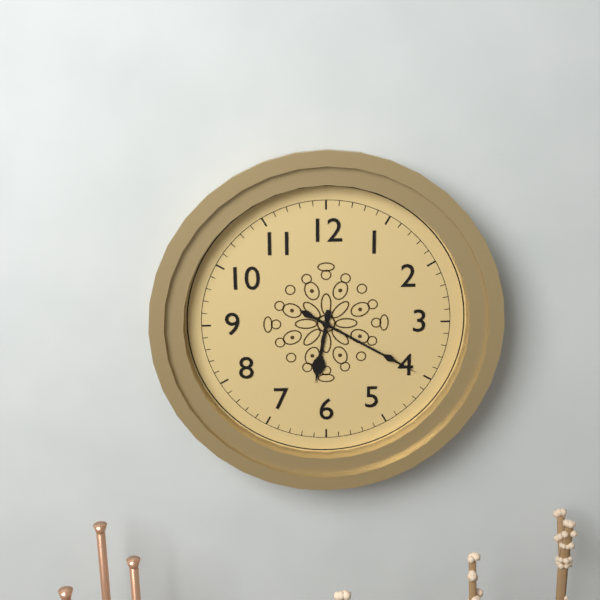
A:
h=6 m=20
